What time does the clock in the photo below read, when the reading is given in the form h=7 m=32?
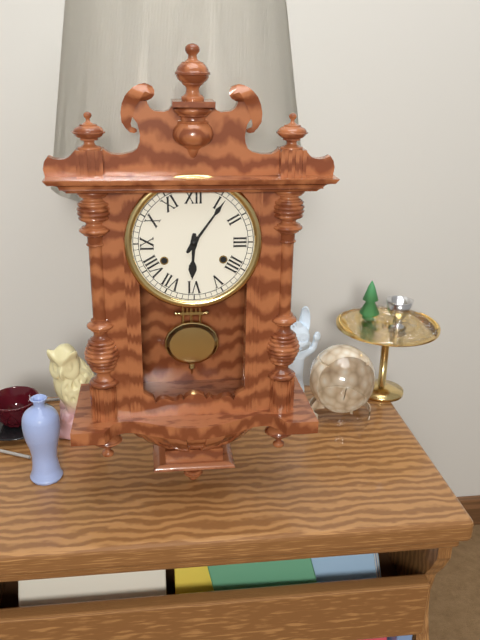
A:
h=6 m=6
